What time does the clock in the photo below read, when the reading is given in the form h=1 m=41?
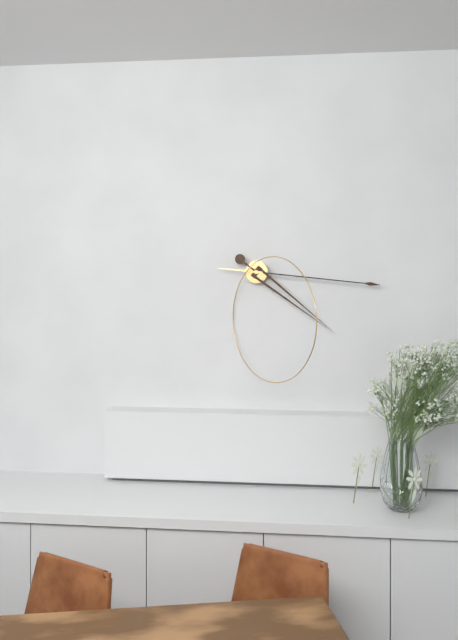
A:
h=4 m=16
